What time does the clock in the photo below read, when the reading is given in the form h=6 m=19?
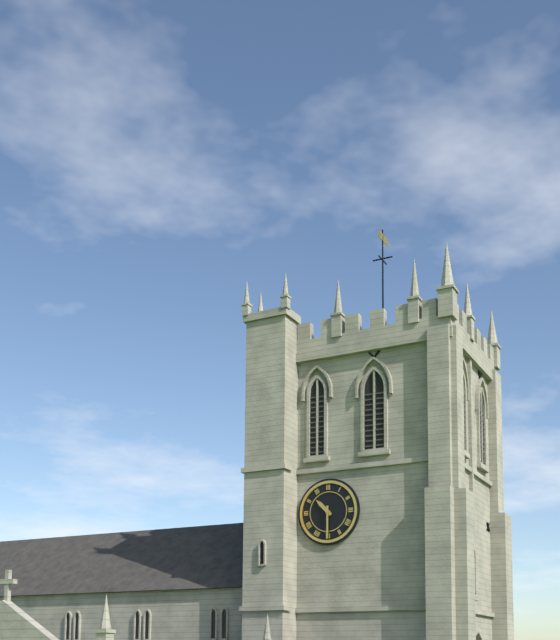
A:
h=10 m=30
